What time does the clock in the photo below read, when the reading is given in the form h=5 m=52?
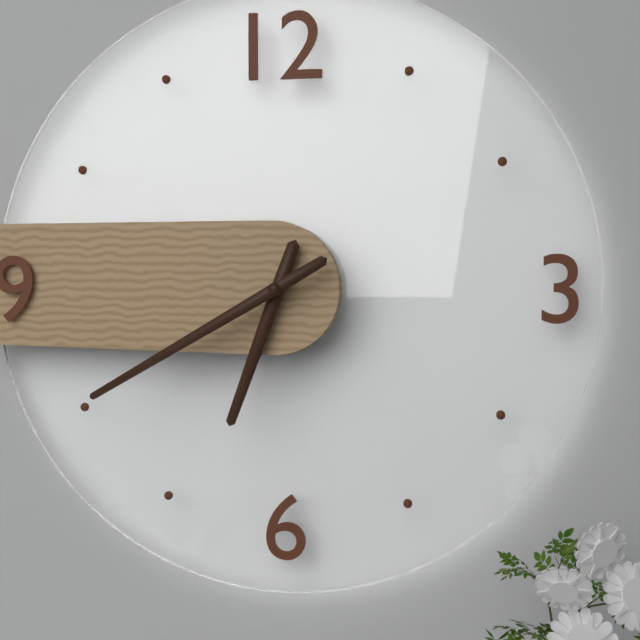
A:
h=6 m=40
